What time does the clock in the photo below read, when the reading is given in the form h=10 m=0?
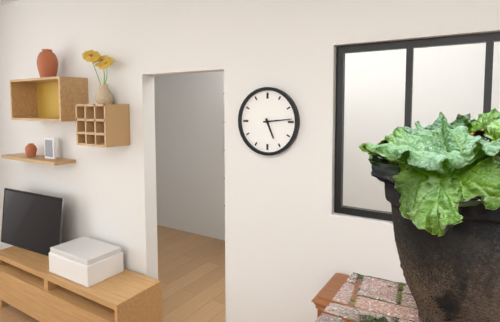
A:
h=5 m=14
